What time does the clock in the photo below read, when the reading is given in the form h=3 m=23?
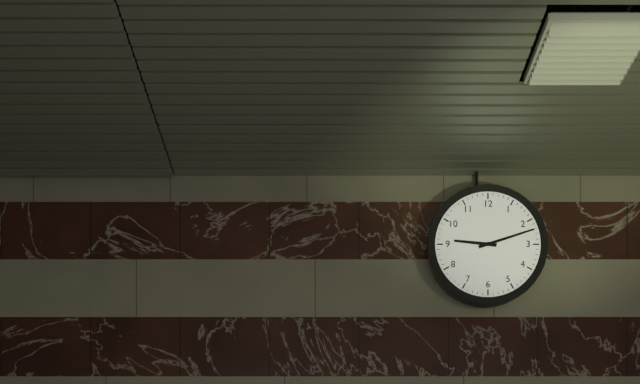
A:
h=9 m=12
